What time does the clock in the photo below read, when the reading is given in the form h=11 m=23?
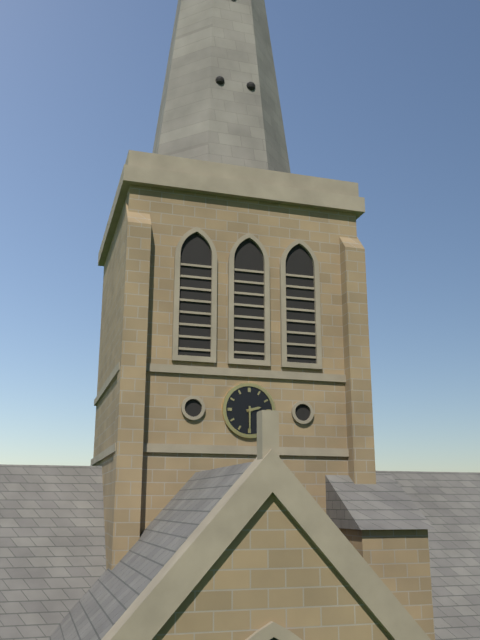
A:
h=2 m=30
